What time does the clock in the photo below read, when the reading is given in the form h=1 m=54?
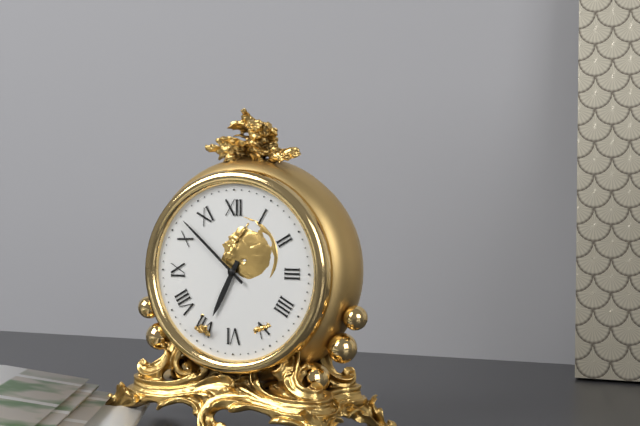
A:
h=6 m=52
